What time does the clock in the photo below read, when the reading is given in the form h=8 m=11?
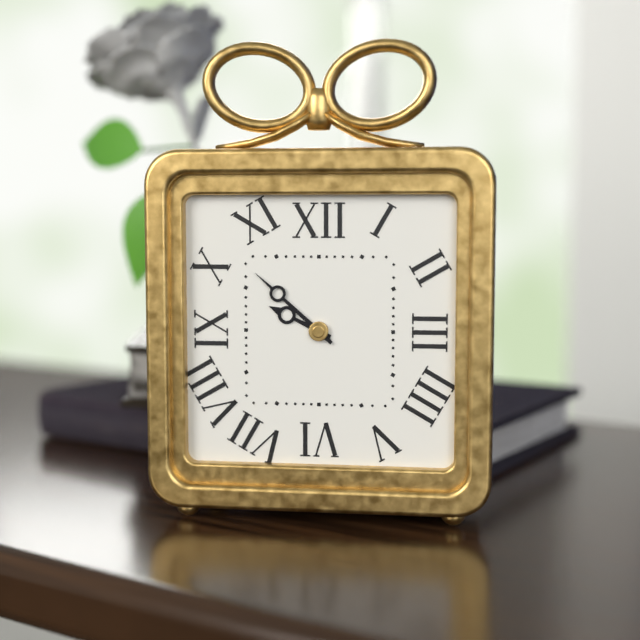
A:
h=9 m=52
